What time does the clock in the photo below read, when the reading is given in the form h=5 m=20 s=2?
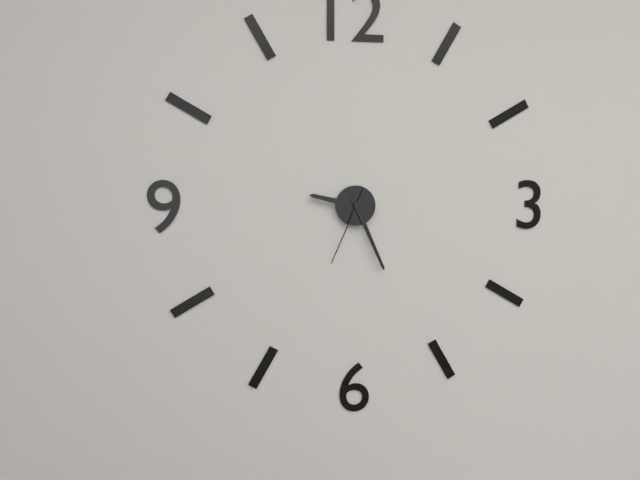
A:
h=9 m=26 s=34
